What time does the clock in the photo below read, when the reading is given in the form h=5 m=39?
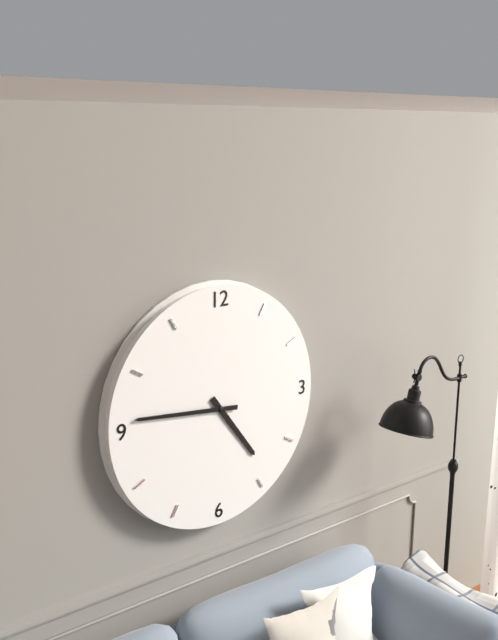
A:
h=4 m=46
